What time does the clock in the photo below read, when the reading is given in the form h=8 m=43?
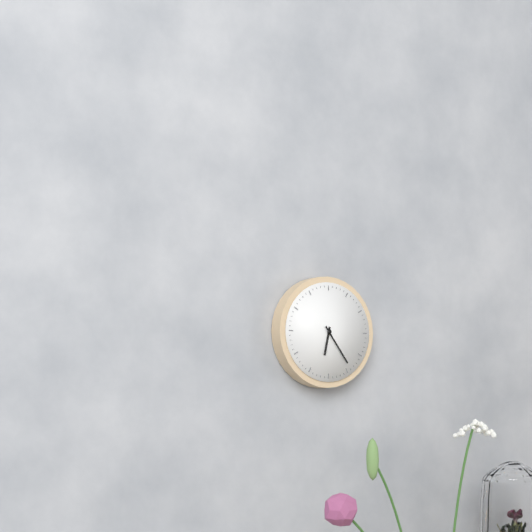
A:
h=6 m=24
